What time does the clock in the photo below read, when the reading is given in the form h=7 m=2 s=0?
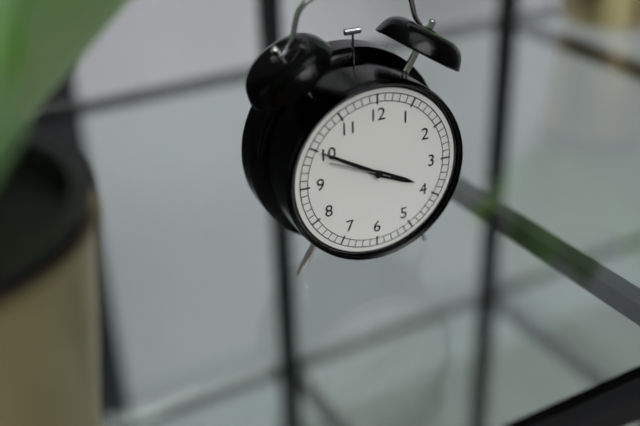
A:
h=3 m=50 s=49
